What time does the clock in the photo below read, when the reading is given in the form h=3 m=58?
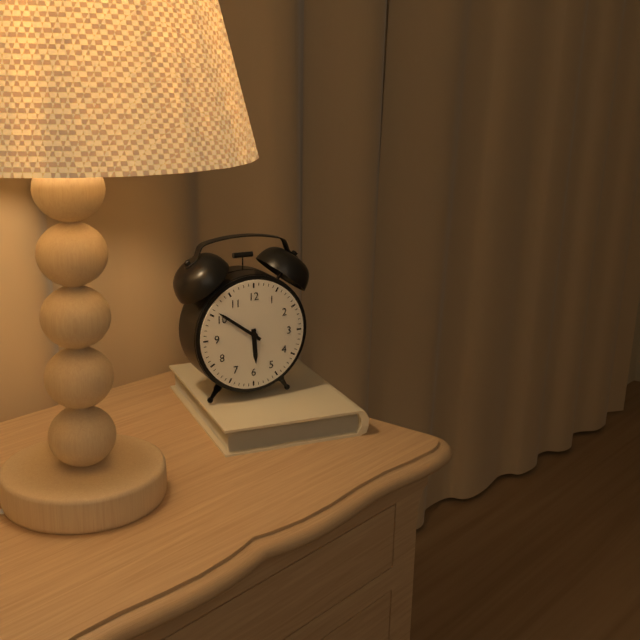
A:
h=5 m=51
